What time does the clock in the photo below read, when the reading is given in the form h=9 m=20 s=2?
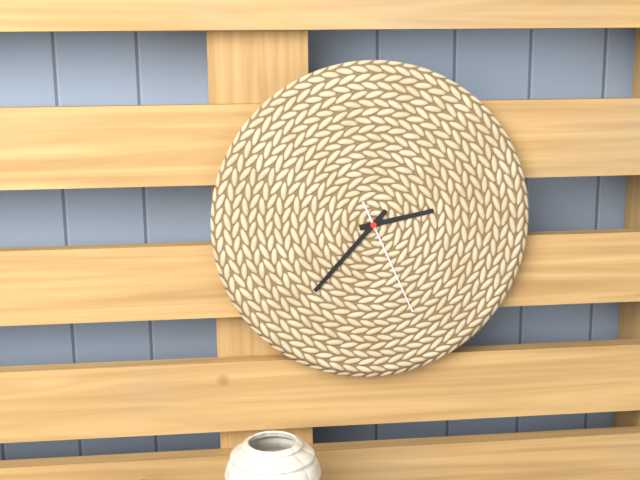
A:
h=2 m=37 s=26
